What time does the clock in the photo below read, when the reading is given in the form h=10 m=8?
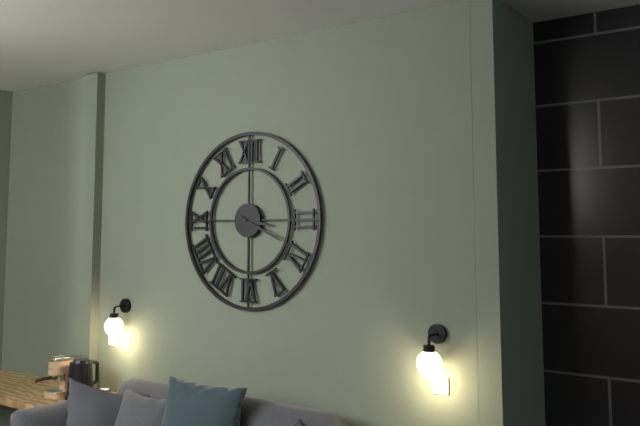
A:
h=3 m=19
